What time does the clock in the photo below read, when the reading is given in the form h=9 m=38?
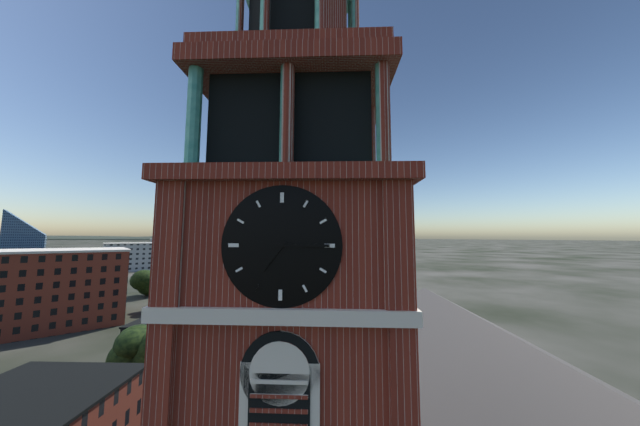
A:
h=7 m=15
